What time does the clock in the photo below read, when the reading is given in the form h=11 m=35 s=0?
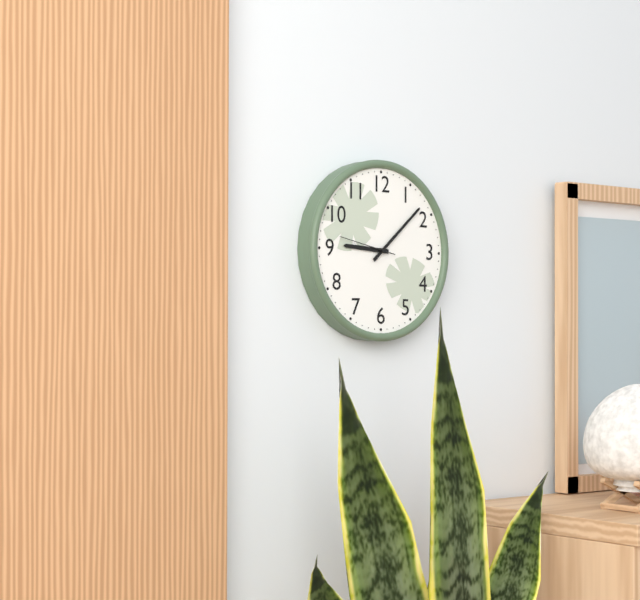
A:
h=9 m=8 s=47
